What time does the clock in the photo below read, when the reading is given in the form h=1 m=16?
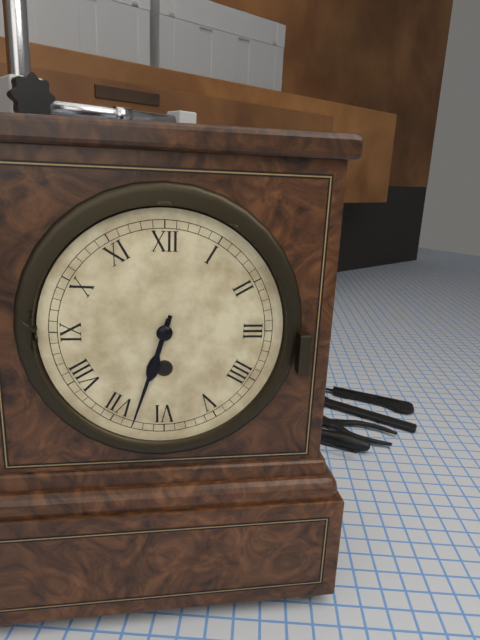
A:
h=6 m=33
